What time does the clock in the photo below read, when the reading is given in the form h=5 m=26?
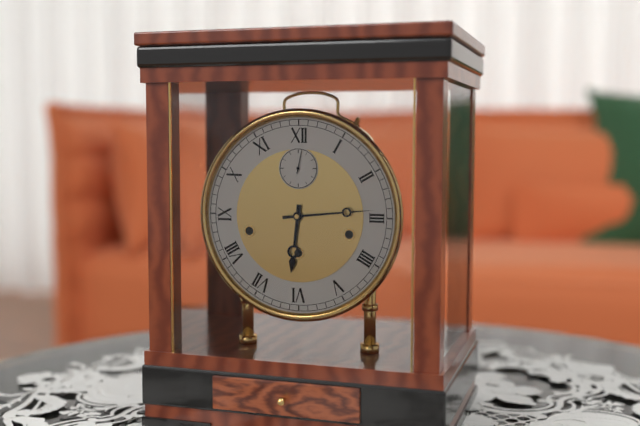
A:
h=6 m=14
